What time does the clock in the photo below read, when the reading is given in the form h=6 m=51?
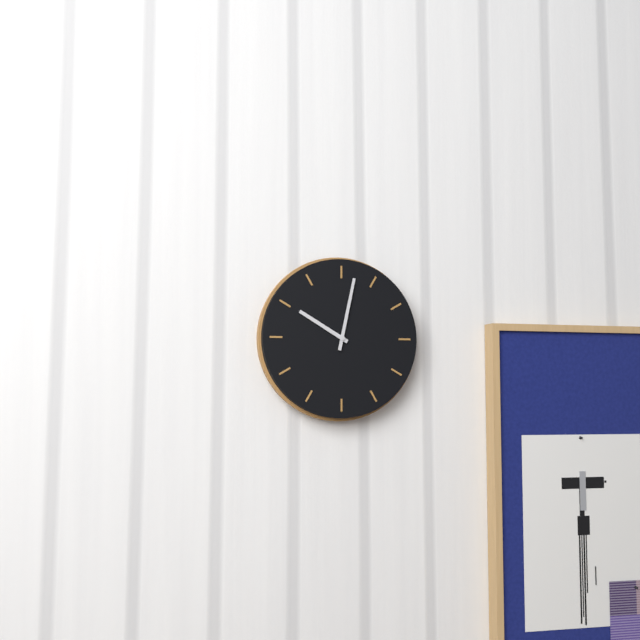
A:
h=10 m=2
